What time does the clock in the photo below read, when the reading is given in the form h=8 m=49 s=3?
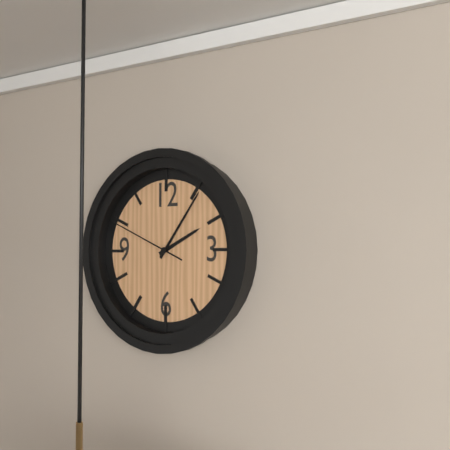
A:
h=2 m=6 s=49
